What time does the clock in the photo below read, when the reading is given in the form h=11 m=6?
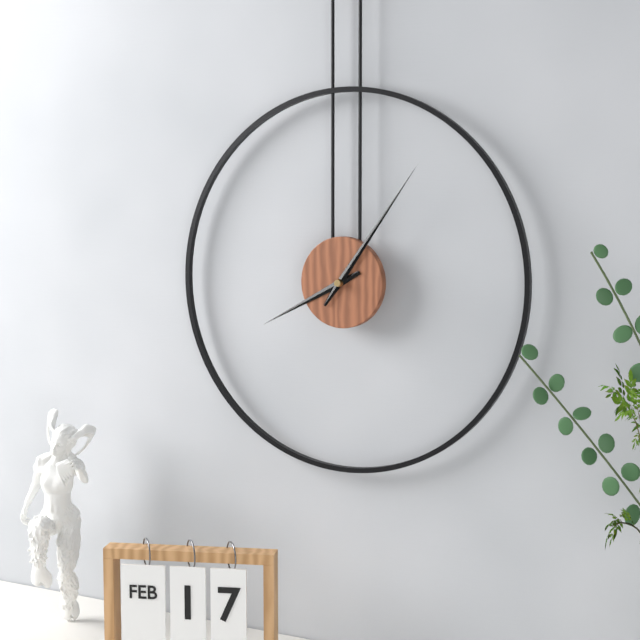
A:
h=8 m=6
